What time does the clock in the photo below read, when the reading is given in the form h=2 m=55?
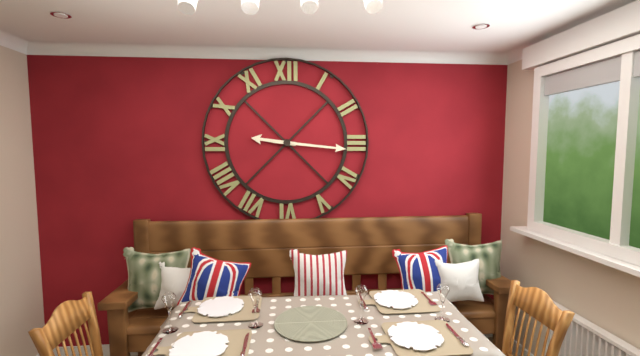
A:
h=9 m=16
